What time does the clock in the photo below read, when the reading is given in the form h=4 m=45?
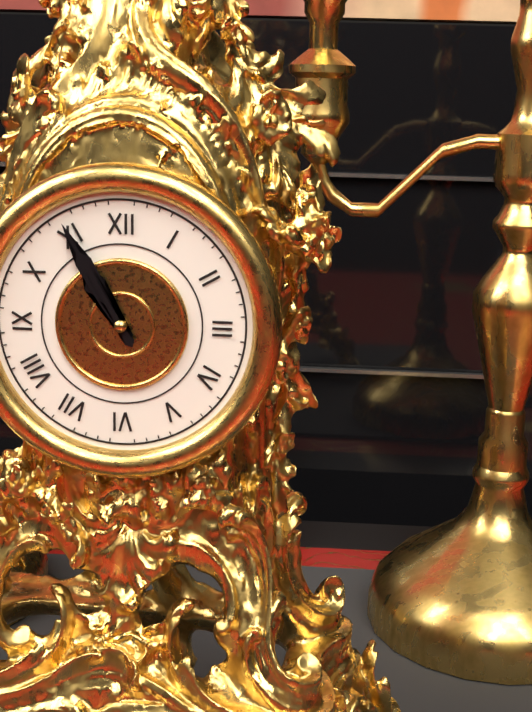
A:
h=10 m=55
